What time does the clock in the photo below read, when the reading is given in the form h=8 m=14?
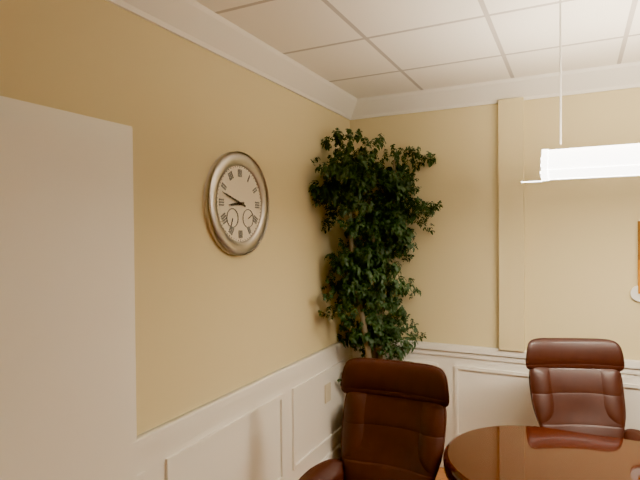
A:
h=8 m=48
